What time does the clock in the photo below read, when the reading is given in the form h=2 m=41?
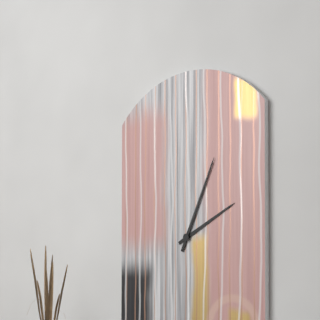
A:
h=2 m=4
